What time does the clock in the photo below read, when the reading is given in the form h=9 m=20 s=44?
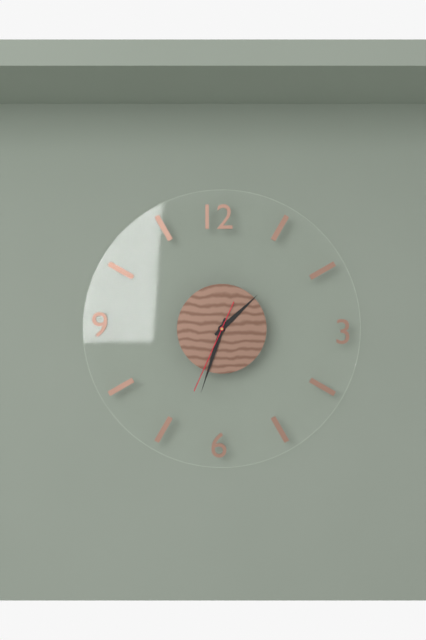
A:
h=1 m=33 s=34
